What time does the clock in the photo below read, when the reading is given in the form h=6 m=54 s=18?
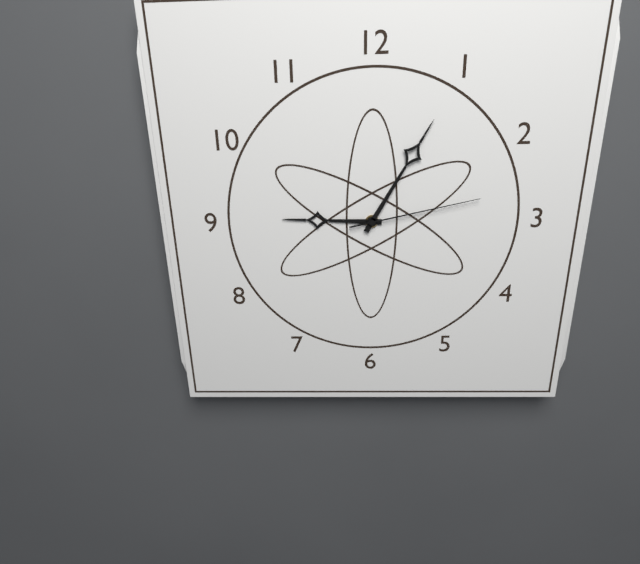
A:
h=9 m=5 s=13
